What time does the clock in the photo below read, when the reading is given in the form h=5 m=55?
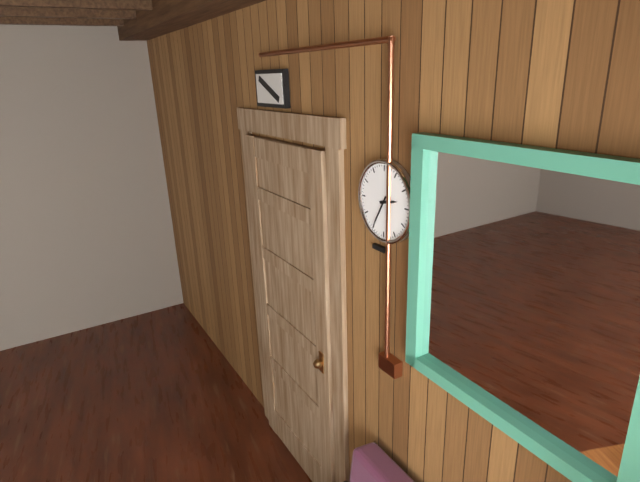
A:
h=2 m=35
